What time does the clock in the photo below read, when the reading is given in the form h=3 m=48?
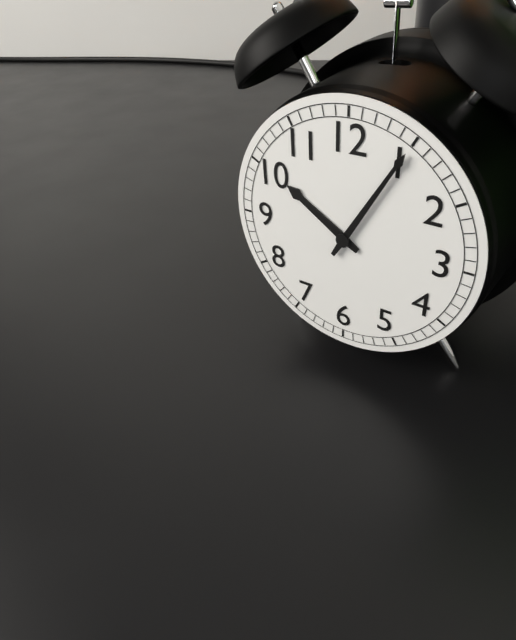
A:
h=10 m=5
